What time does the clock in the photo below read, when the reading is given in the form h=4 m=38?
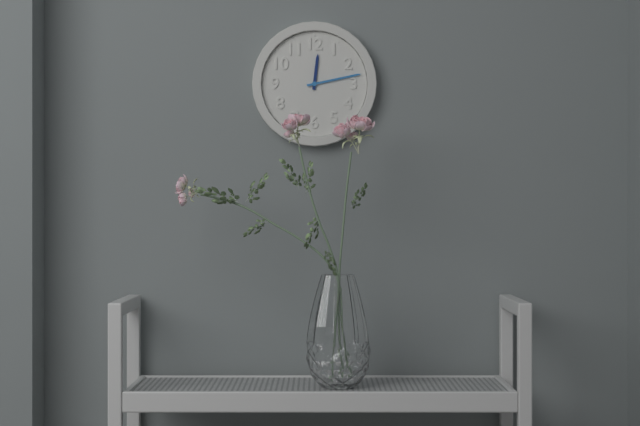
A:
h=12 m=13
